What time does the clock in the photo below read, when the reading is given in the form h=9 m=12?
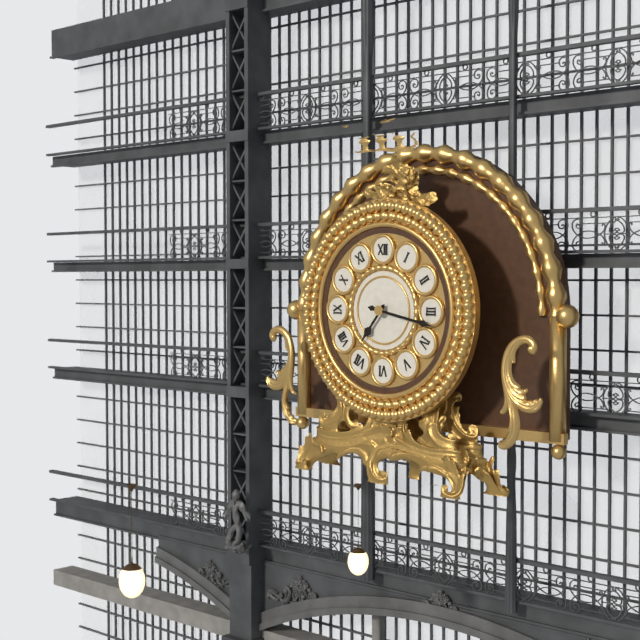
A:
h=7 m=17
